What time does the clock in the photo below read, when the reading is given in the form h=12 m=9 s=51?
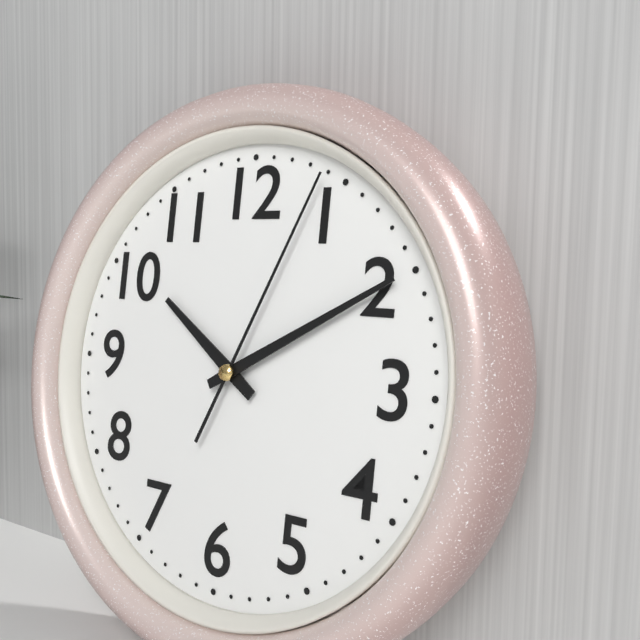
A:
h=10 m=10 s=4
